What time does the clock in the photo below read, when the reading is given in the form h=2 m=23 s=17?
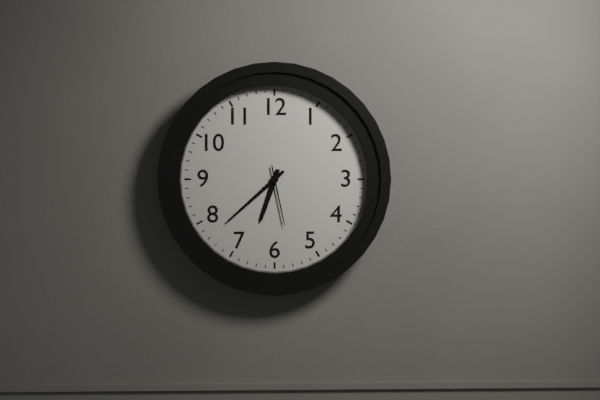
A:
h=6 m=38 s=28
